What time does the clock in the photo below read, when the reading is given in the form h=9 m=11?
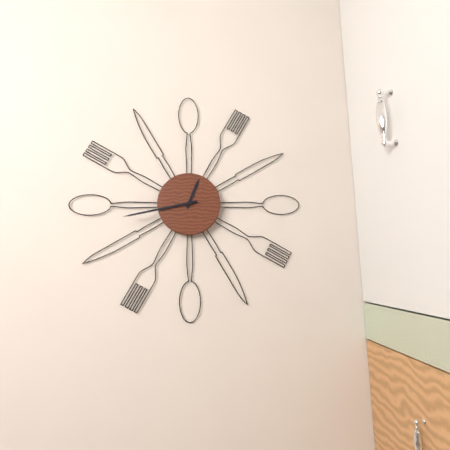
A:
h=12 m=43
